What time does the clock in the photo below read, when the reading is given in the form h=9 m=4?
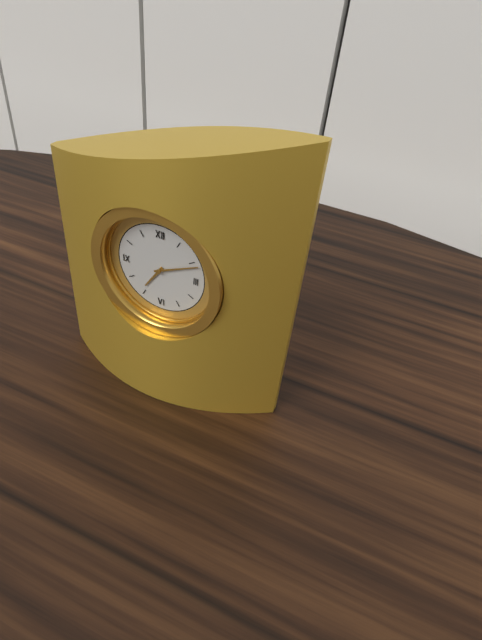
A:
h=7 m=11
